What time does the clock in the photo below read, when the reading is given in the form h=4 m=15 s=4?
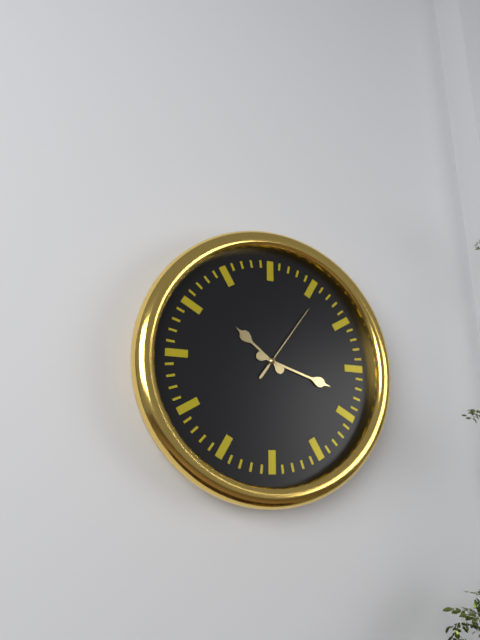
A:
h=10 m=18 s=6
